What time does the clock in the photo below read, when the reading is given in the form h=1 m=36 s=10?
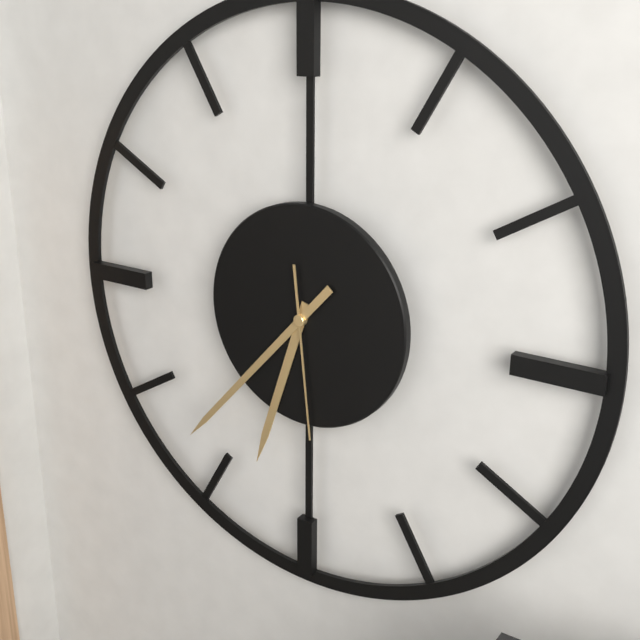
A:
h=6 m=37 s=29
